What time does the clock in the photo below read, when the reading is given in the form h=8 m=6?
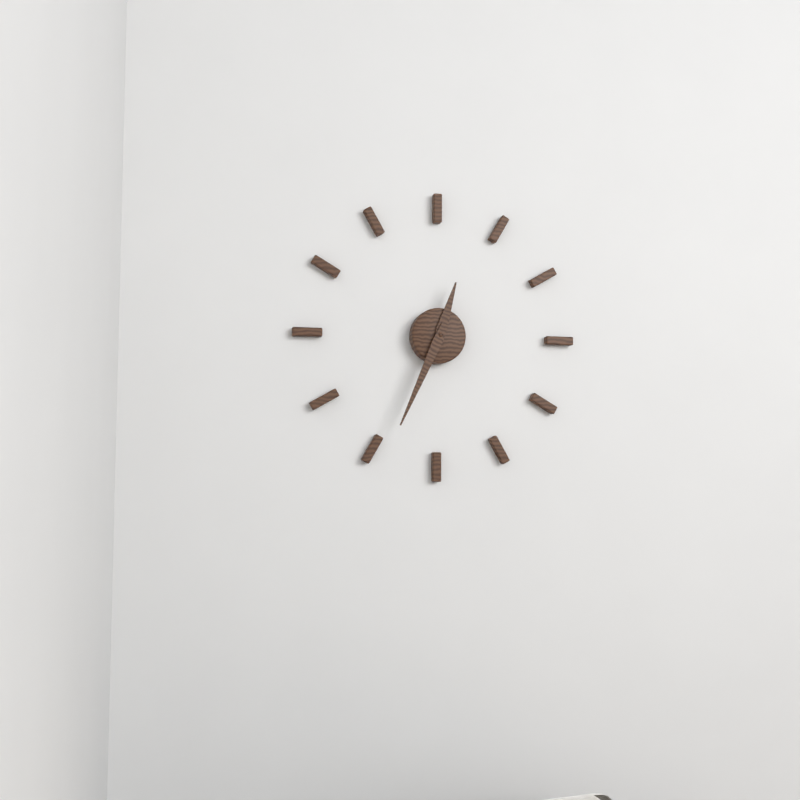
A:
h=12 m=34
